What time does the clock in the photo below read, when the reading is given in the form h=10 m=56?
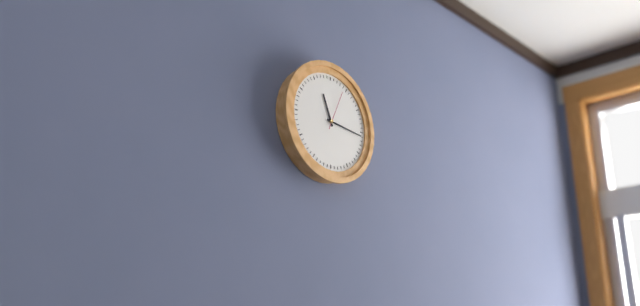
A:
h=11 m=16
